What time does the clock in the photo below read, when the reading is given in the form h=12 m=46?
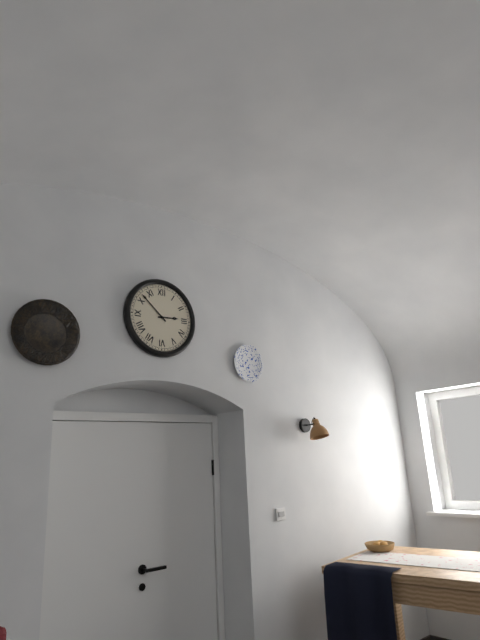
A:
h=2 m=52
